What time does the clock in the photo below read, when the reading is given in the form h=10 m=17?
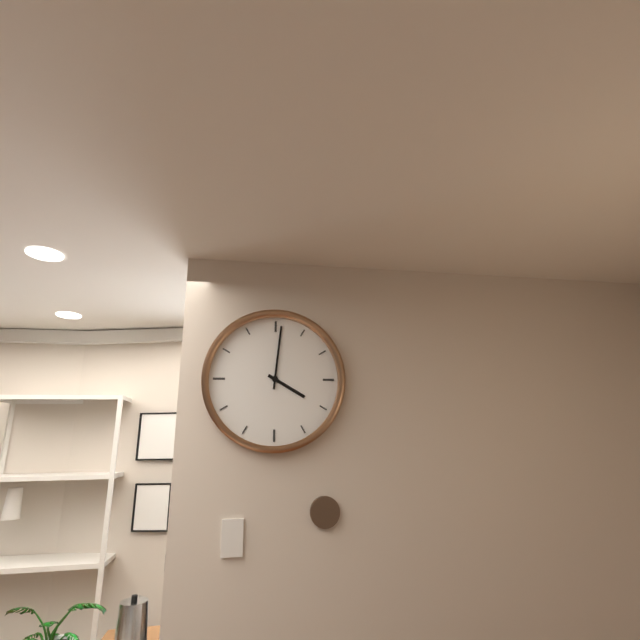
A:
h=4 m=1
